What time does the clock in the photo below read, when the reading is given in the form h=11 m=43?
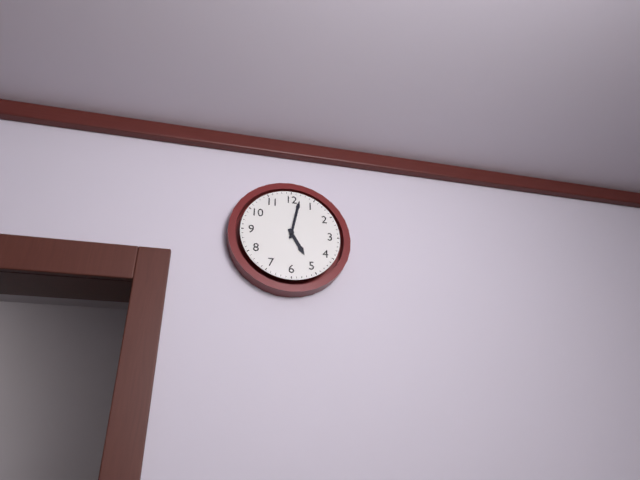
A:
h=5 m=2
